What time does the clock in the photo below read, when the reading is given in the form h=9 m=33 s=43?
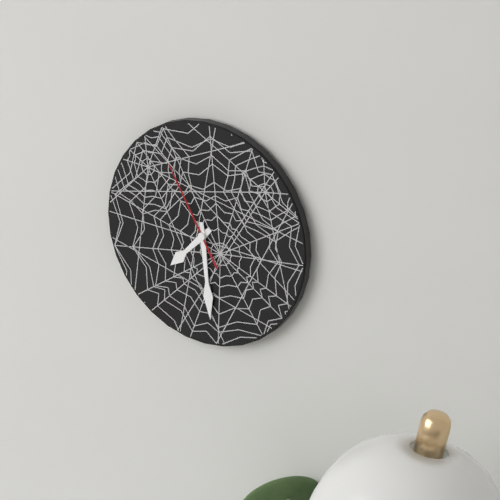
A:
h=7 m=29 s=55
